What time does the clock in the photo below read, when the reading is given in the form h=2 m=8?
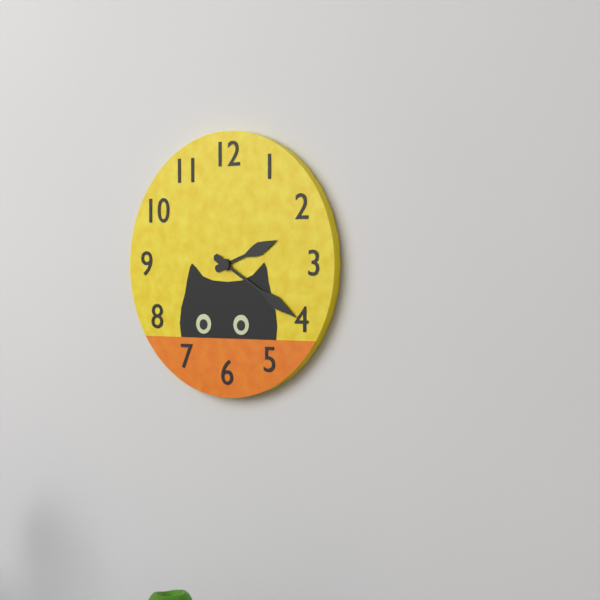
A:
h=2 m=20
